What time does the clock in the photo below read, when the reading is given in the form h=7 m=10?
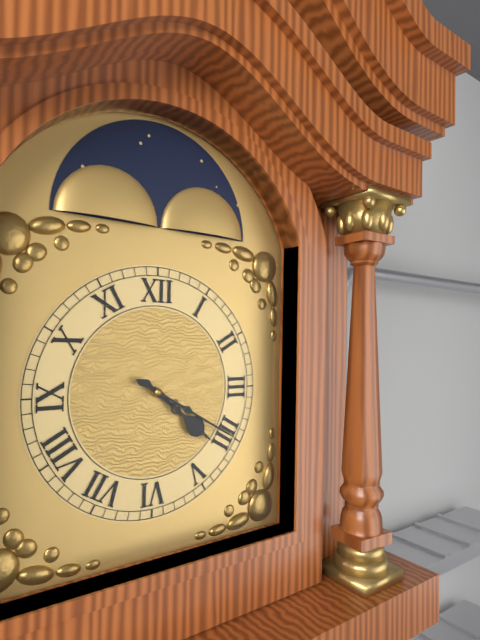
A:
h=4 m=20
